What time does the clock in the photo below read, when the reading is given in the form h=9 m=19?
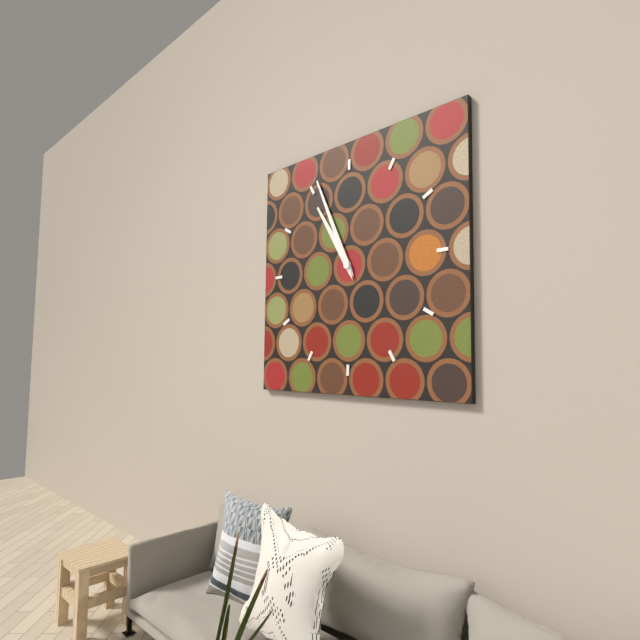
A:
h=10 m=56
